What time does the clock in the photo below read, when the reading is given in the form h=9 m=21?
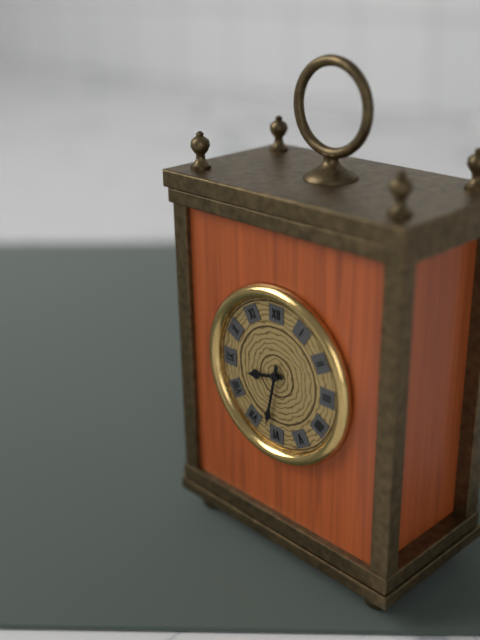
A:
h=8 m=32
